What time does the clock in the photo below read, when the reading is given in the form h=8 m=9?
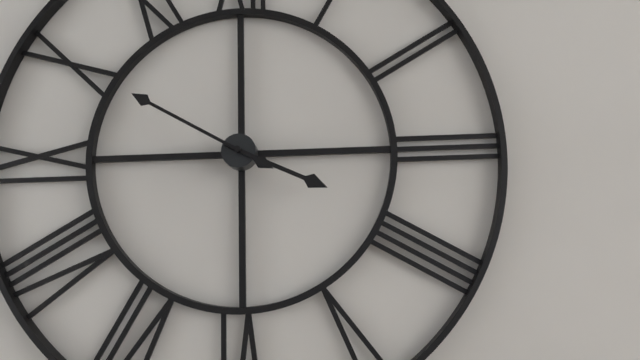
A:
h=3 m=50
